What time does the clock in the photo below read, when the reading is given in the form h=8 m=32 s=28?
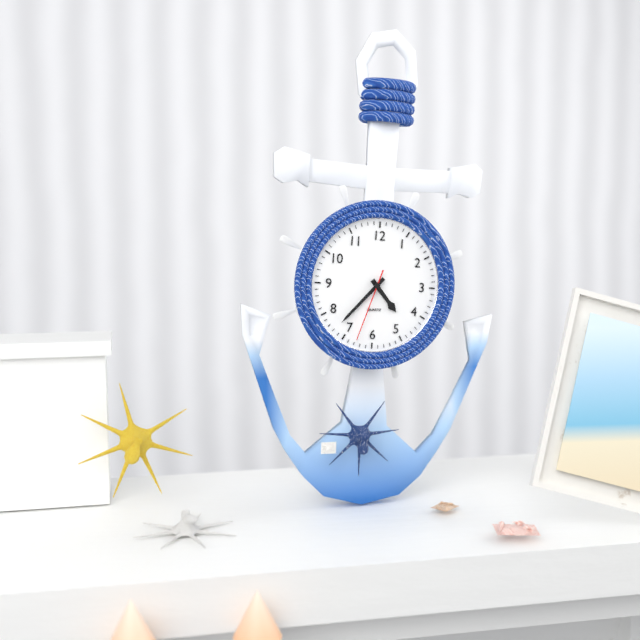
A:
h=4 m=37 s=33
